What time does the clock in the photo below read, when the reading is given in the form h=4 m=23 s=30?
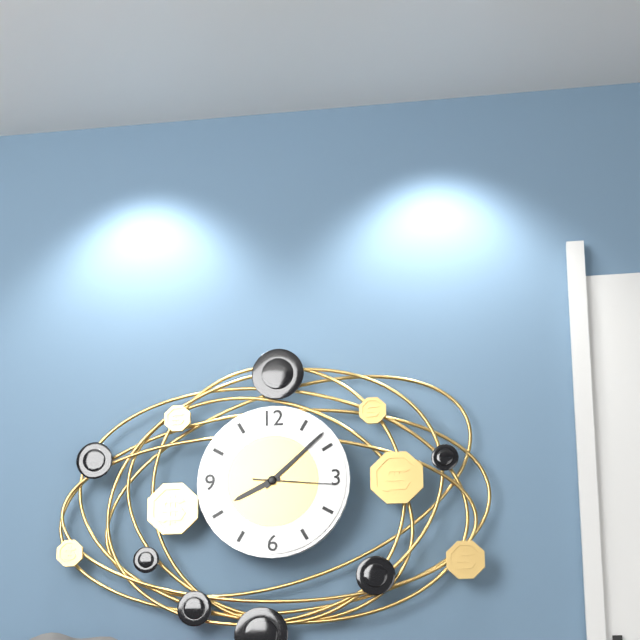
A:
h=8 m=8 s=16
